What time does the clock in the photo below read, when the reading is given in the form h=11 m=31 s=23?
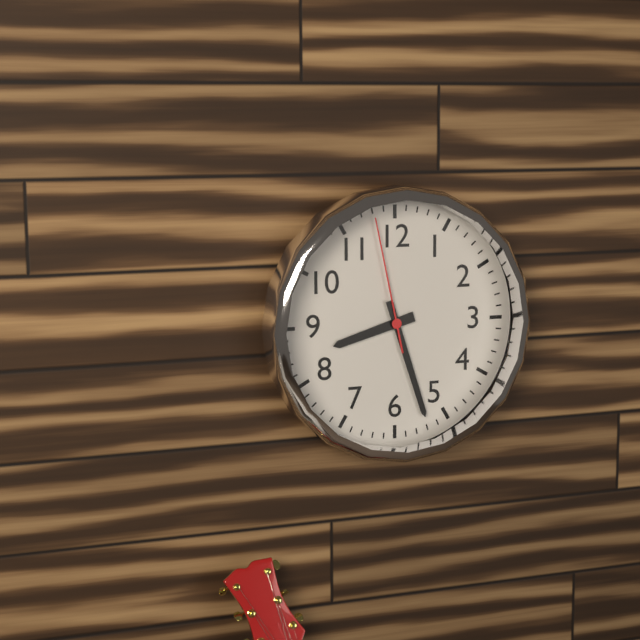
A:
h=8 m=27 s=58
